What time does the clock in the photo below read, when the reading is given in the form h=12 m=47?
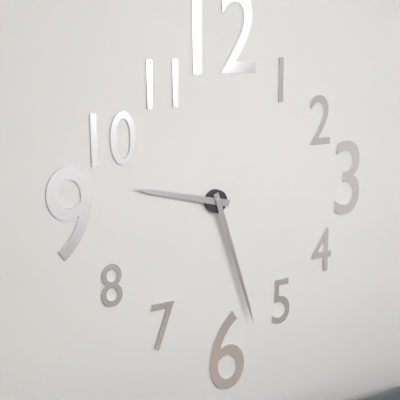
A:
h=9 m=27
